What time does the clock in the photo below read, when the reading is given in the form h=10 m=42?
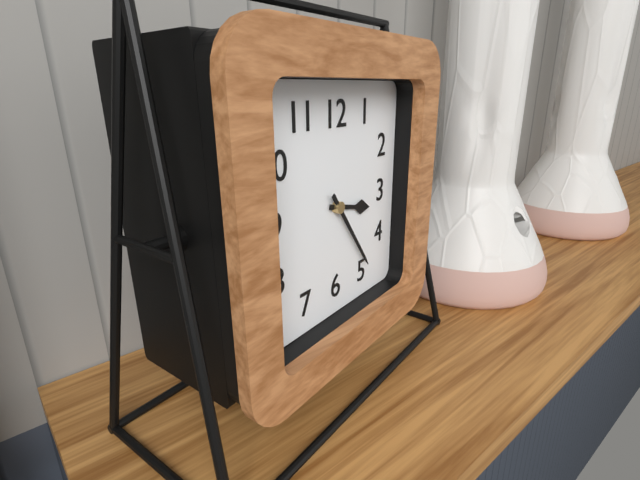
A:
h=3 m=24
